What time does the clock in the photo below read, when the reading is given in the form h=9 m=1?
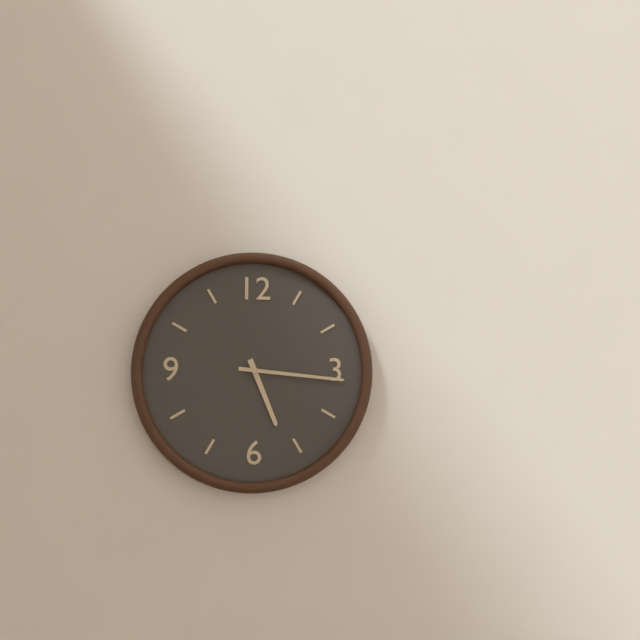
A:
h=5 m=16
